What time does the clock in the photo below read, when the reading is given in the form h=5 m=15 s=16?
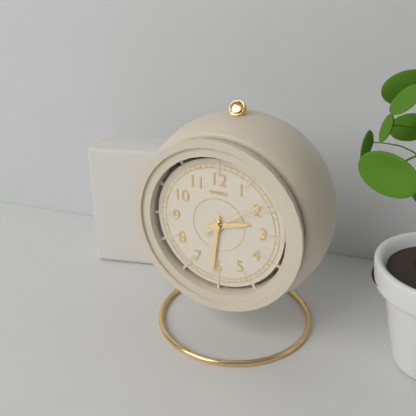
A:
h=2 m=31 s=9
